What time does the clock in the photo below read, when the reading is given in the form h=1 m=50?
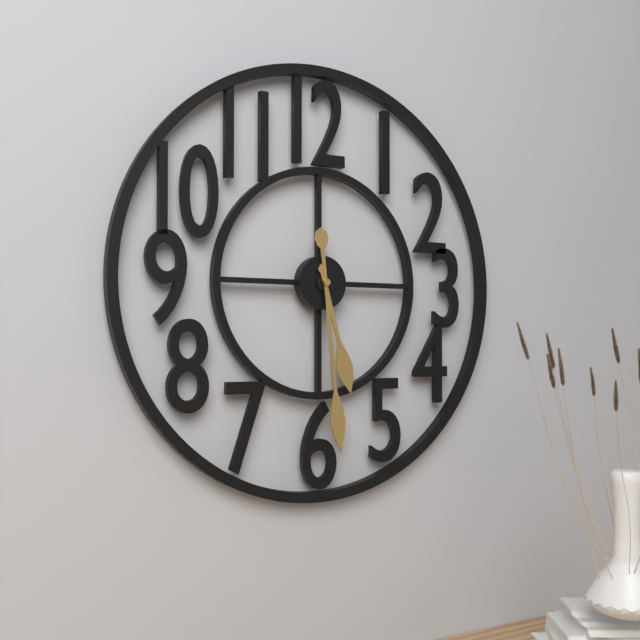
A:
h=5 m=29
